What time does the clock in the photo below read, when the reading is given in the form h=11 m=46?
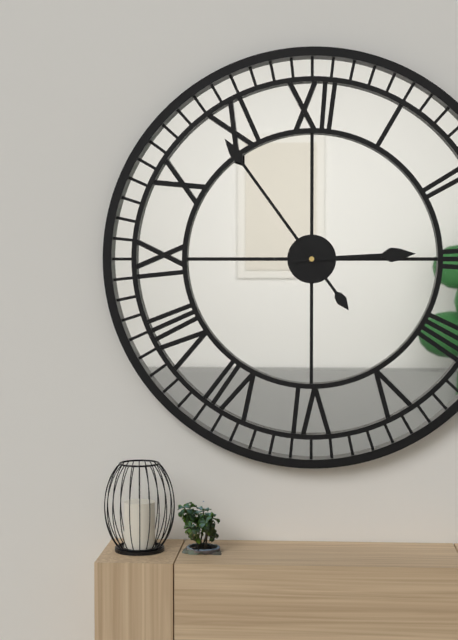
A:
h=2 m=54
